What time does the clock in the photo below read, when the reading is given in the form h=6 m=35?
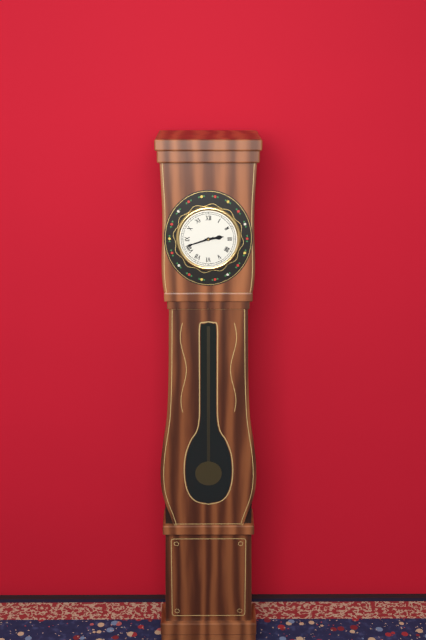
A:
h=2 m=42
